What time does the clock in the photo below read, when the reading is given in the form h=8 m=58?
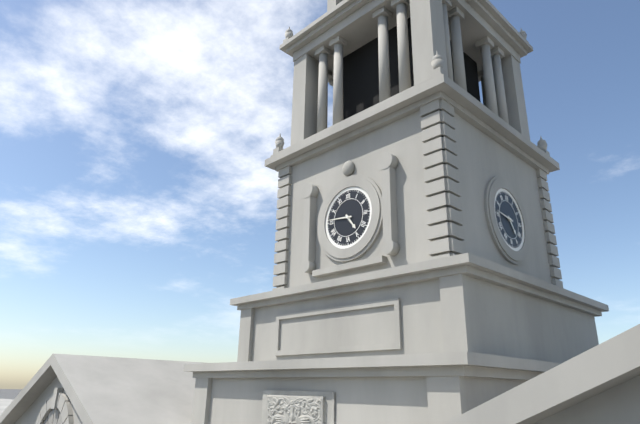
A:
h=4 m=46
